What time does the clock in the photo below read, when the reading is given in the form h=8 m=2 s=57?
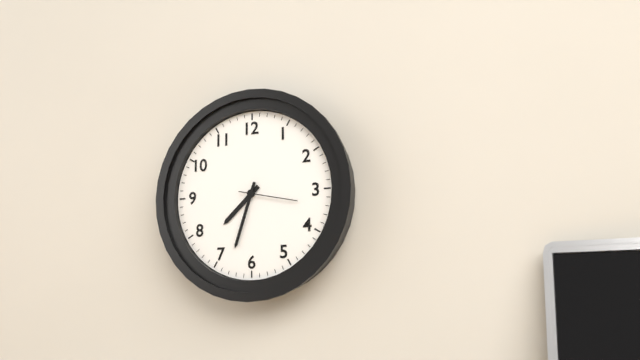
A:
h=7 m=33 s=17
